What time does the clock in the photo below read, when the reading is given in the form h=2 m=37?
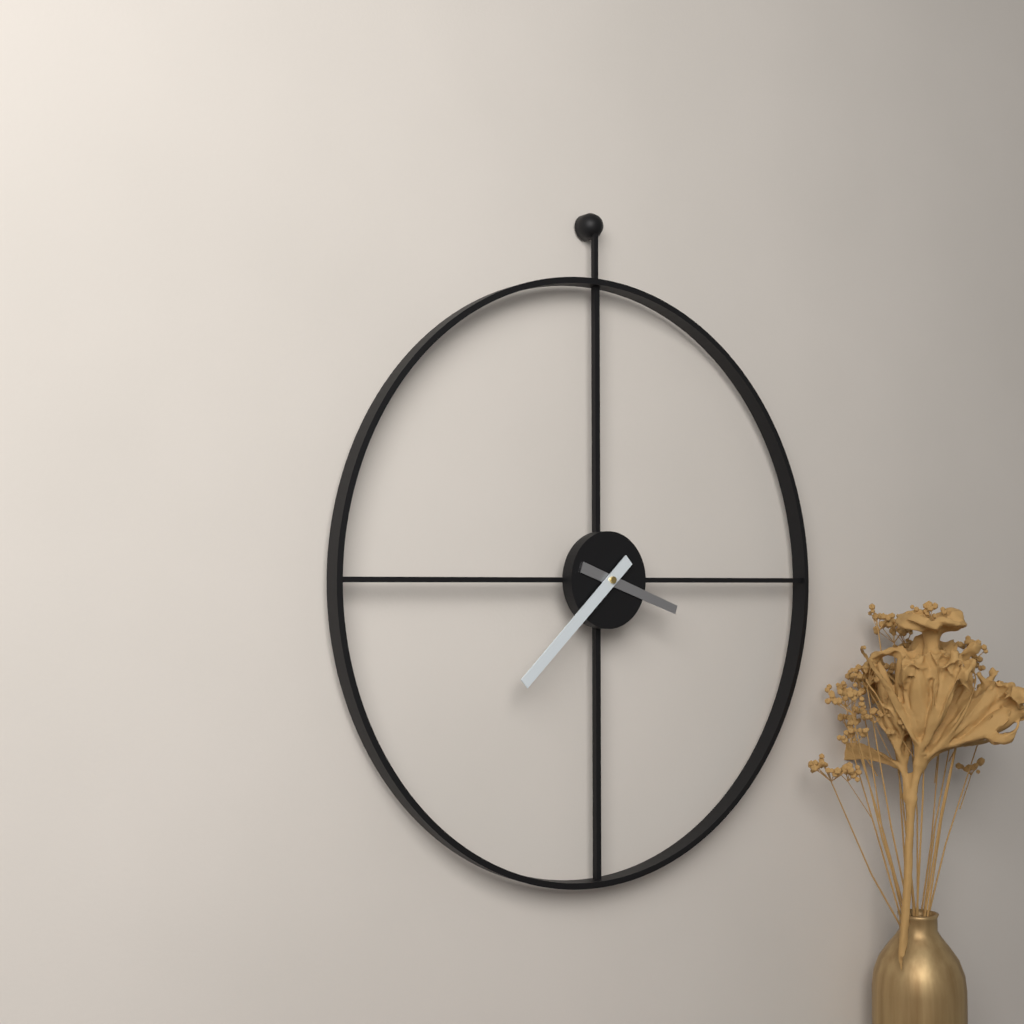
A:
h=3 m=38
